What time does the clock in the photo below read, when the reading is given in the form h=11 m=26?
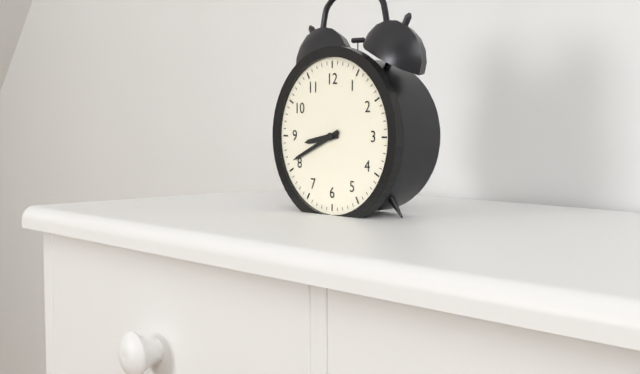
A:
h=8 m=41
